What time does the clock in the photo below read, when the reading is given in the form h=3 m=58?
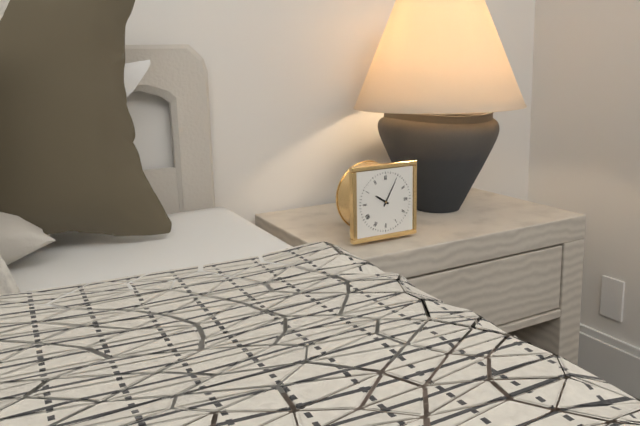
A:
h=10 m=5
